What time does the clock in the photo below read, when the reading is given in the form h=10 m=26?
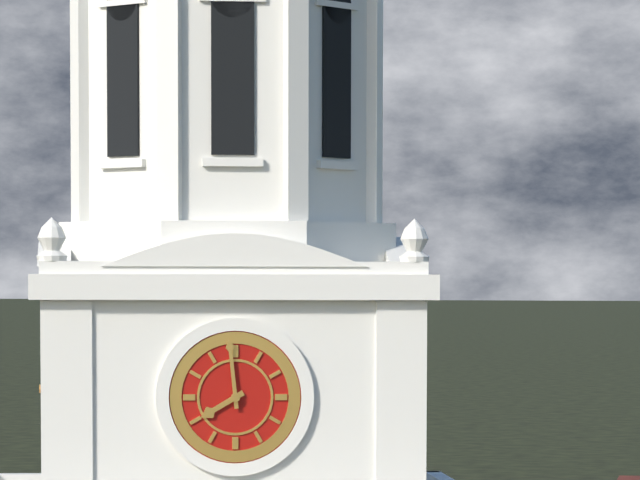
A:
h=7 m=59
